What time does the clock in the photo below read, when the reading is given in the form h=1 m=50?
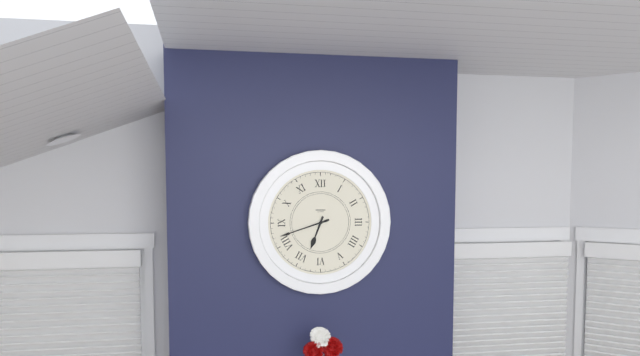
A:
h=6 m=42
